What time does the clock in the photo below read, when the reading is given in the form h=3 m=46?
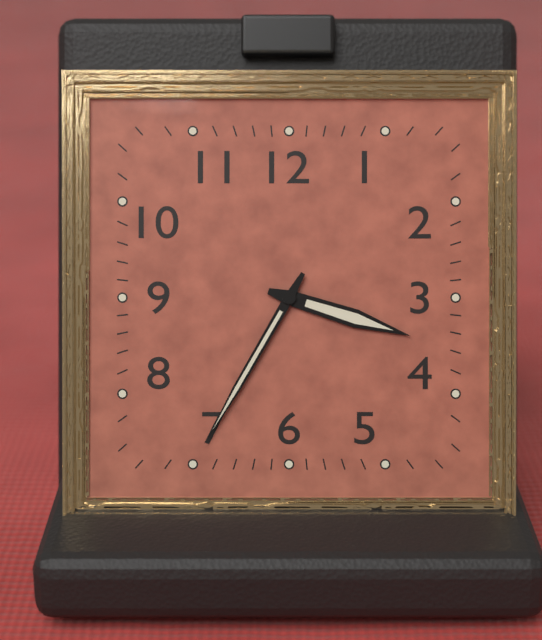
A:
h=3 m=35
